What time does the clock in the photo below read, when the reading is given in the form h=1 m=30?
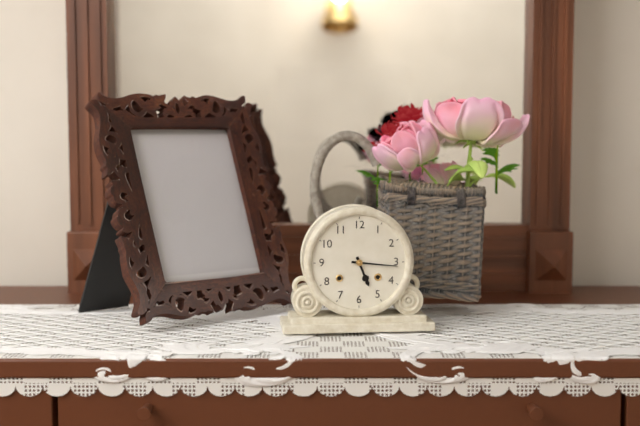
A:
h=5 m=16
